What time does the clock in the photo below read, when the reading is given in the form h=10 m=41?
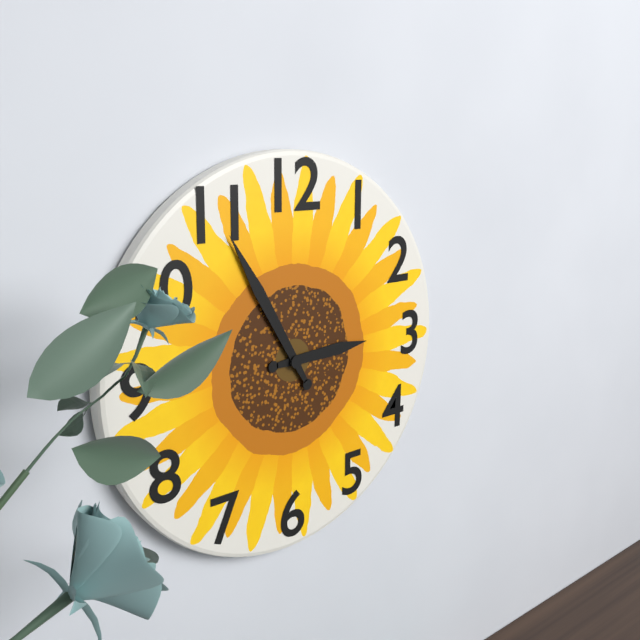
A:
h=2 m=55
